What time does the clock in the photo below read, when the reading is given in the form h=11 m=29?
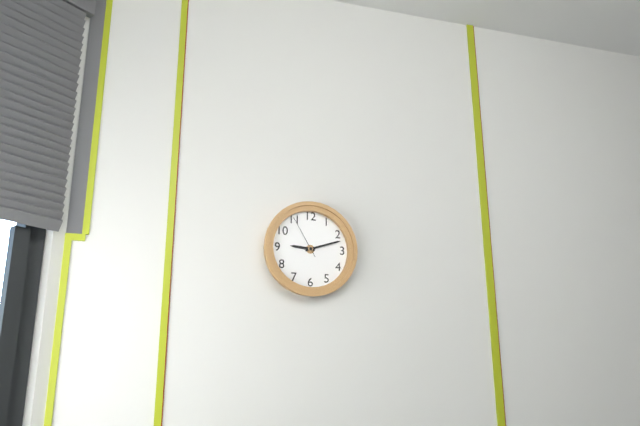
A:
h=9 m=12
